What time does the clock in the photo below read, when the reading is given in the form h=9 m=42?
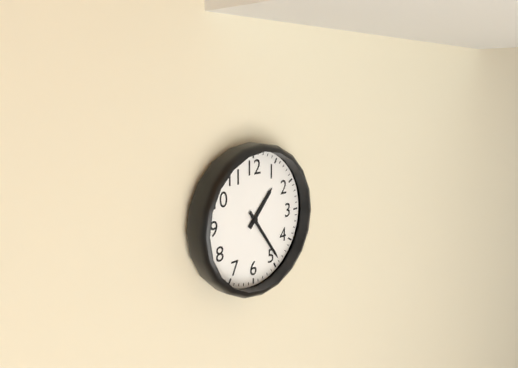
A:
h=1 m=24
